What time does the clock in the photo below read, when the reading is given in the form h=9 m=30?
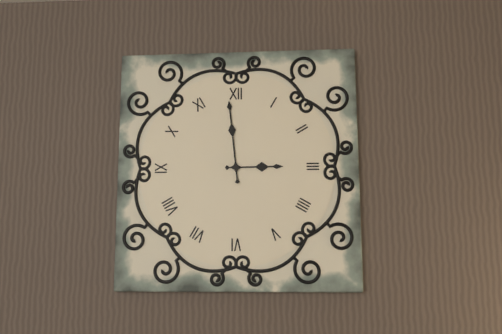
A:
h=2 m=59
